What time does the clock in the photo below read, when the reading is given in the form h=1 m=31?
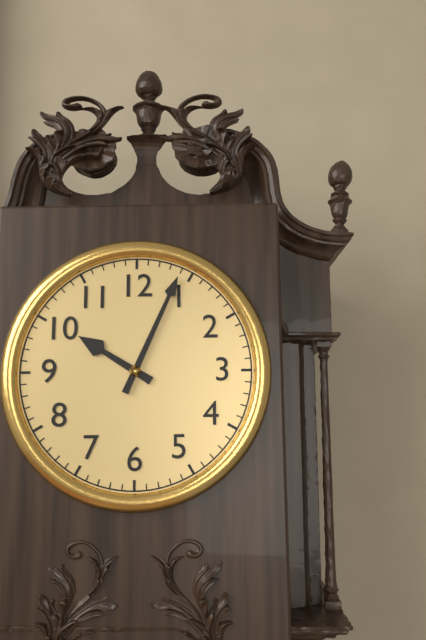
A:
h=10 m=4
